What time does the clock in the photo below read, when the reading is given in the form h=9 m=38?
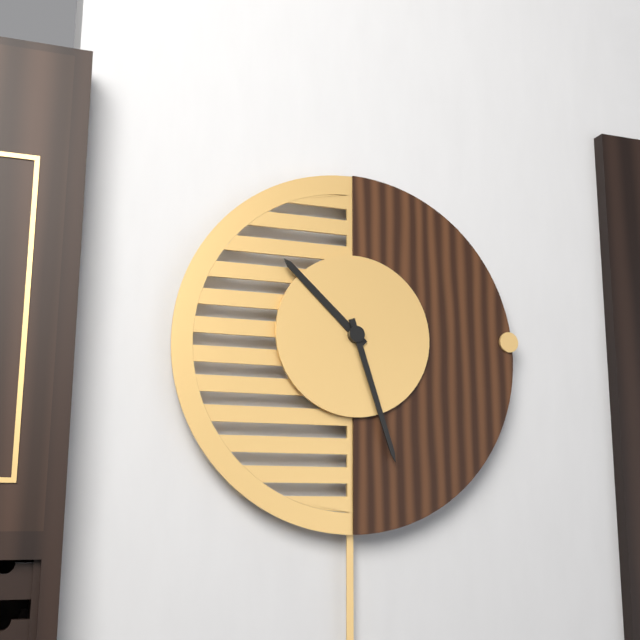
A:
h=10 m=27
